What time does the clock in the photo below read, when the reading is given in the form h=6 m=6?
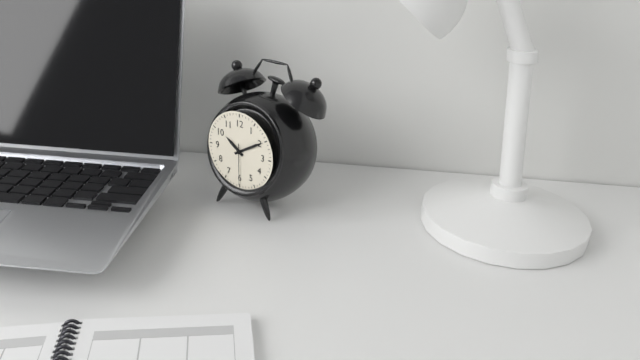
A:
h=10 m=10
